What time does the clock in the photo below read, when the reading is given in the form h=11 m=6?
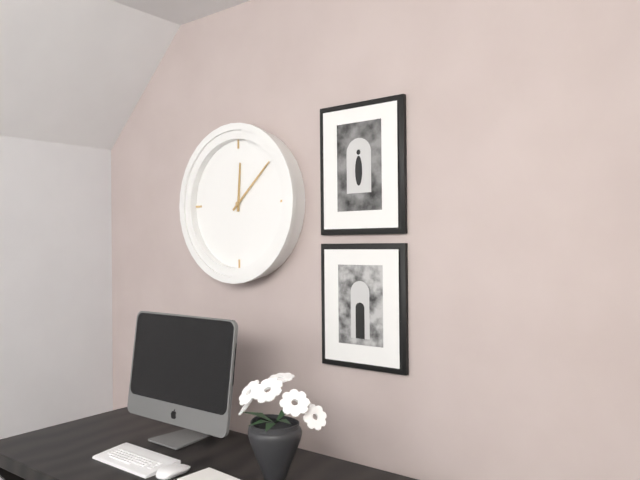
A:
h=12 m=8
